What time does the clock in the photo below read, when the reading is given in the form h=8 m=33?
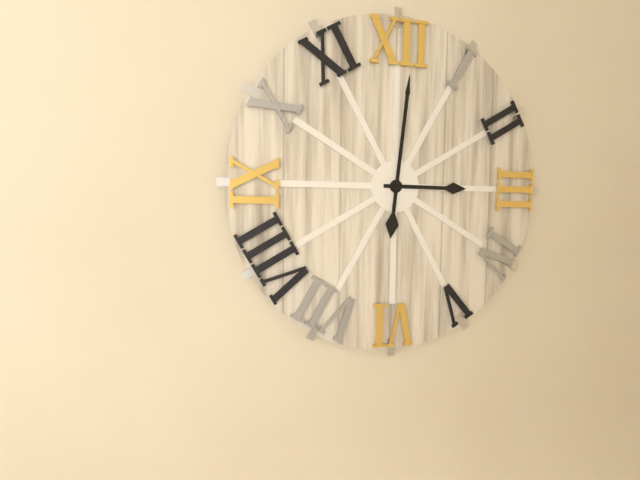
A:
h=3 m=1
